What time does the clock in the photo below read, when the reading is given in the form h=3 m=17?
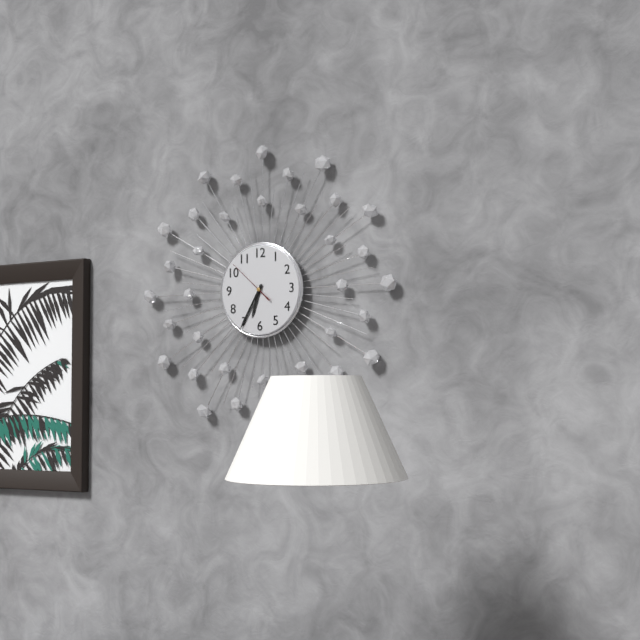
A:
h=6 m=35
